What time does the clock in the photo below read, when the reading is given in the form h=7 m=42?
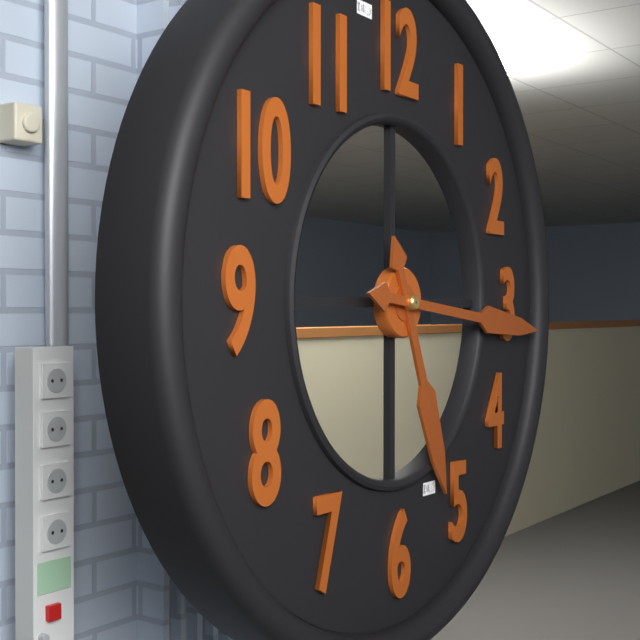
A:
h=5 m=16
